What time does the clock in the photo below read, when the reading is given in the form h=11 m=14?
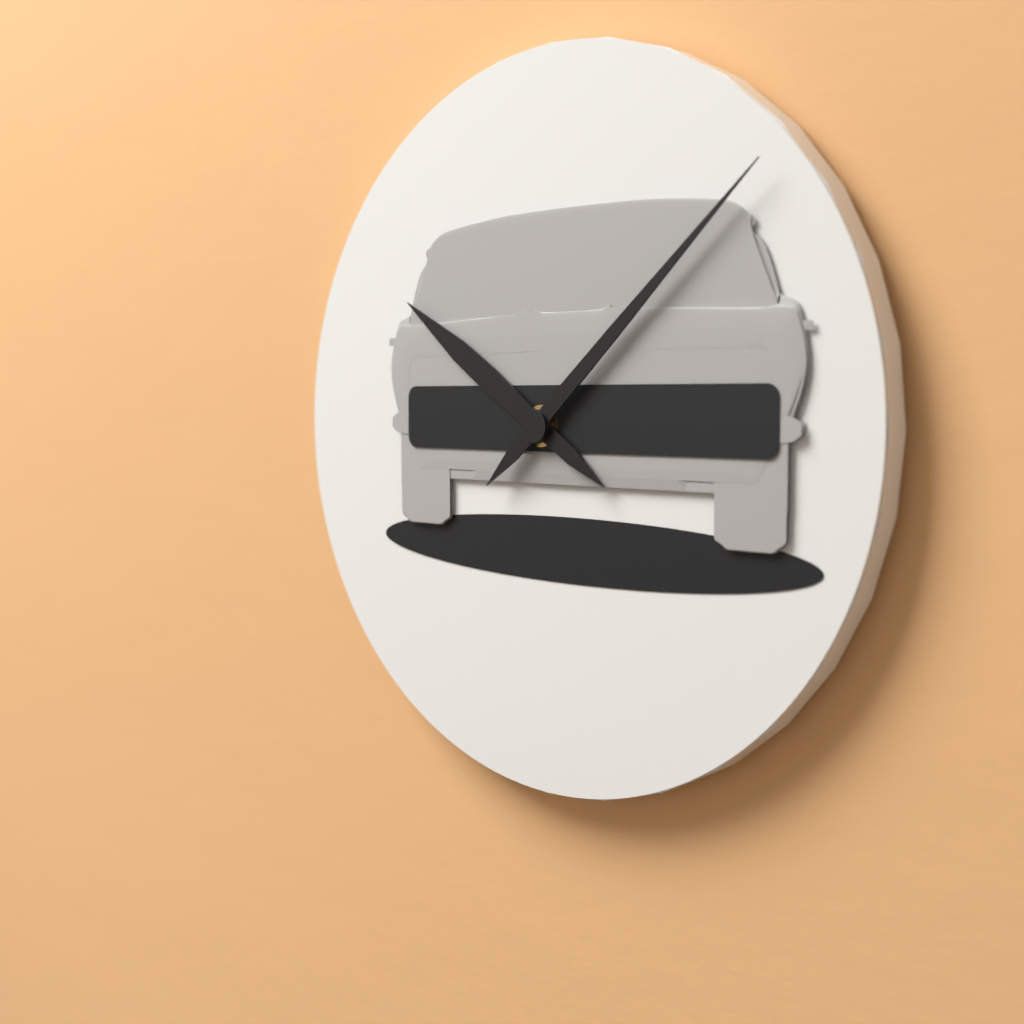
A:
h=10 m=8
